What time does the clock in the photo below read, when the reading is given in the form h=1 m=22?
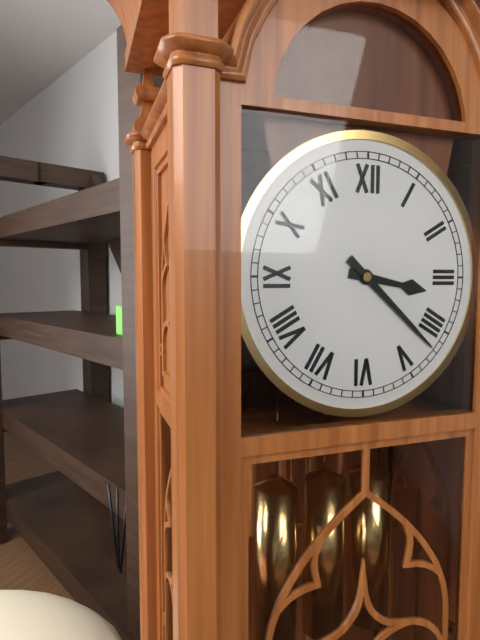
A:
h=3 m=22
